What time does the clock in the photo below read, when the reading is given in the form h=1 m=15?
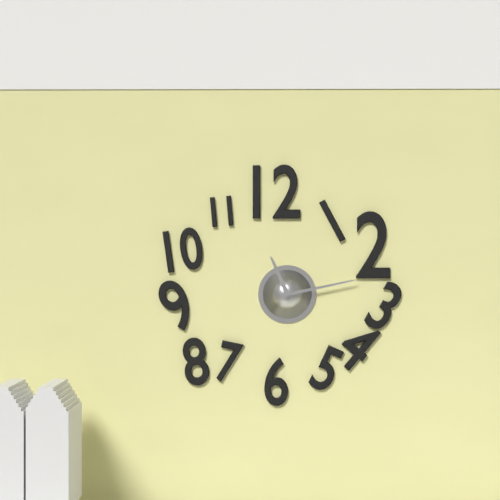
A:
h=11 m=13
